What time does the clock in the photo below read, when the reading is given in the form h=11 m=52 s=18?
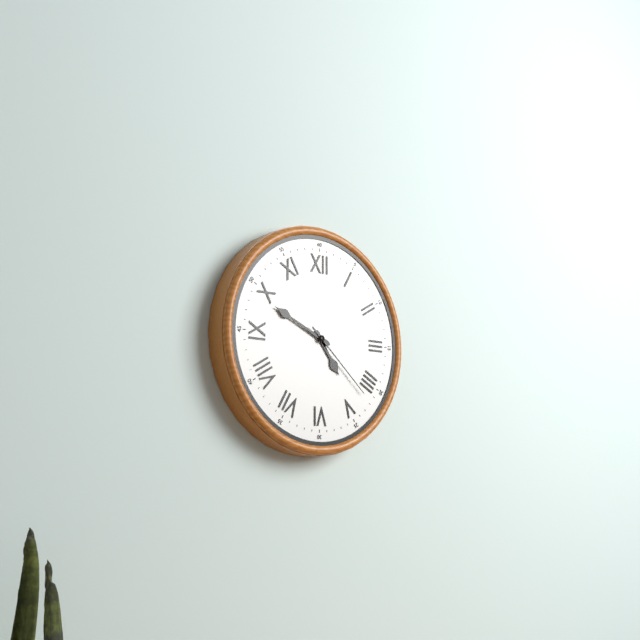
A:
h=4 m=49 s=22
